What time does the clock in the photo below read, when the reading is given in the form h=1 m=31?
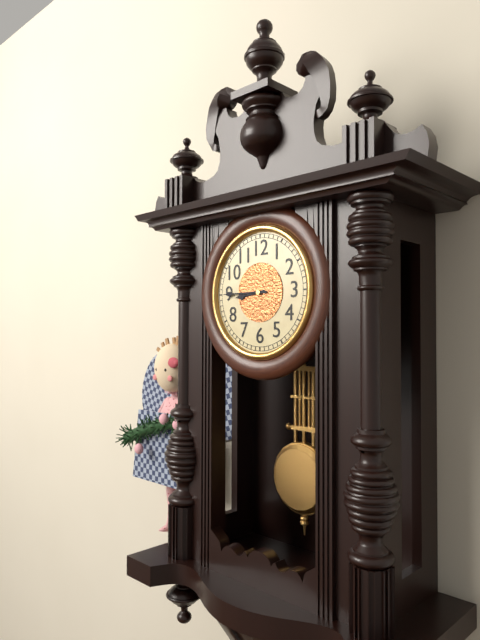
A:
h=8 m=45
